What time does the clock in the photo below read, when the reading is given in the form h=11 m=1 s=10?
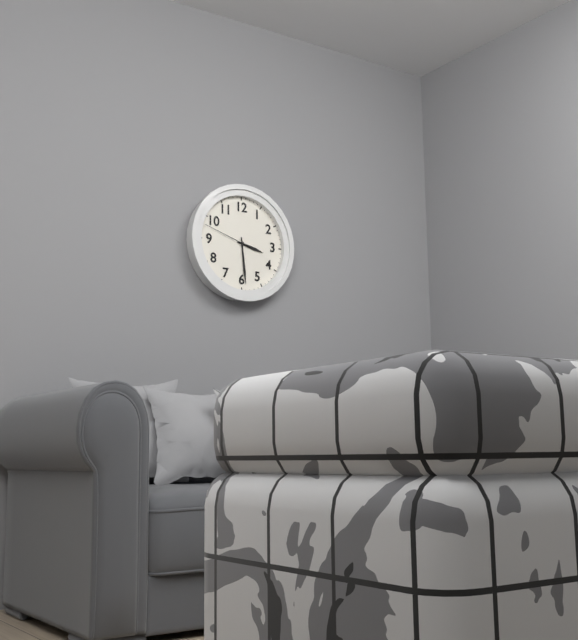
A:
h=3 m=29 s=48
